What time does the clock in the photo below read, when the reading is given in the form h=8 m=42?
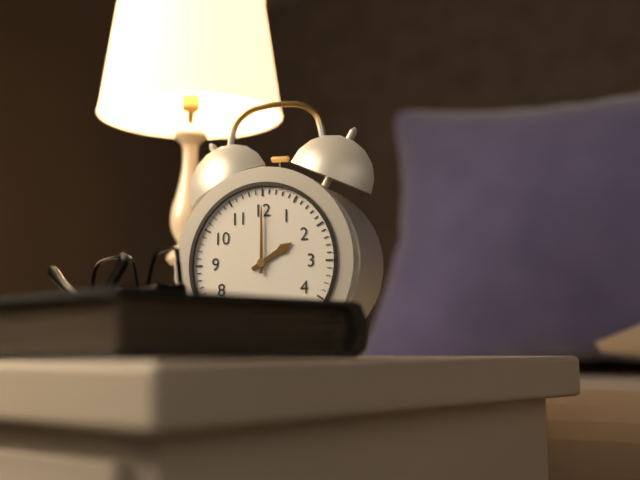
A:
h=2 m=0
